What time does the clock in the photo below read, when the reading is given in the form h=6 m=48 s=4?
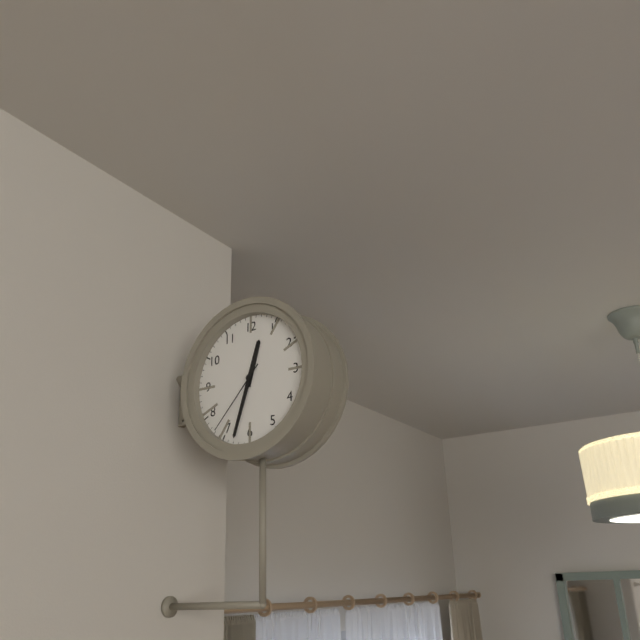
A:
h=12 m=33 s=37
